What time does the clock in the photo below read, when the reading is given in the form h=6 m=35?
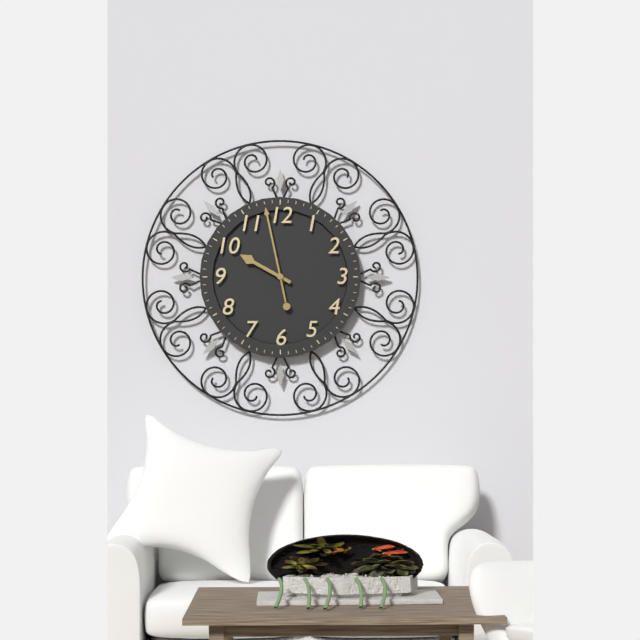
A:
h=9 m=58
